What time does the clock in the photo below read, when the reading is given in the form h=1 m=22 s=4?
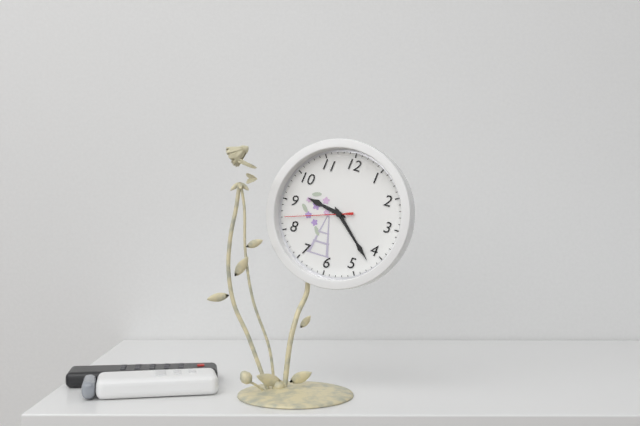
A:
h=9 m=22 s=42
